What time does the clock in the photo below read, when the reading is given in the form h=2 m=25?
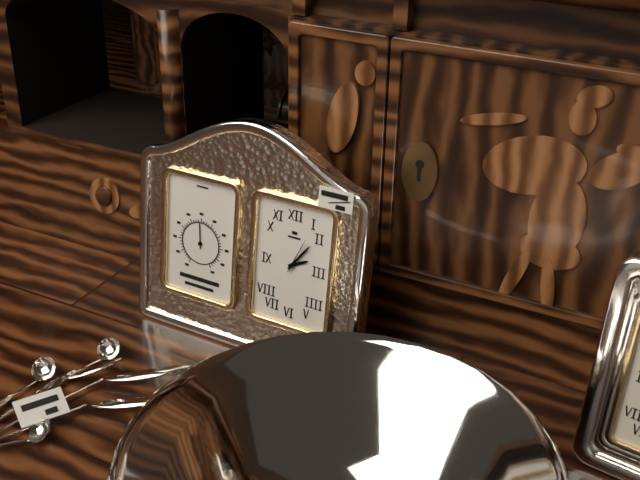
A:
h=2 m=6
